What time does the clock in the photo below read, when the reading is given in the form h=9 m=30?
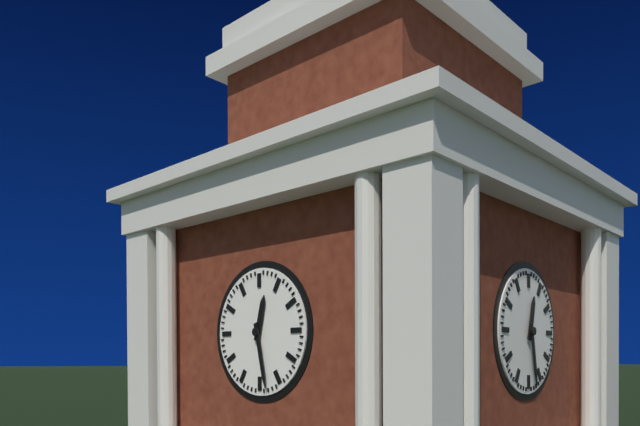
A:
h=12 m=28
